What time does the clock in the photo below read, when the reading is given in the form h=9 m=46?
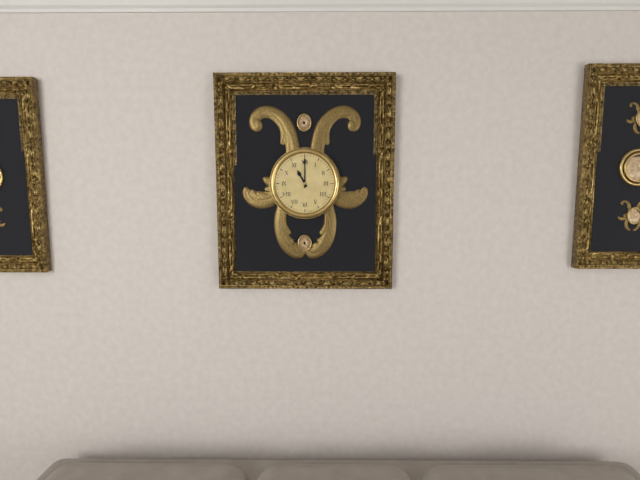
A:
h=11 m=0
